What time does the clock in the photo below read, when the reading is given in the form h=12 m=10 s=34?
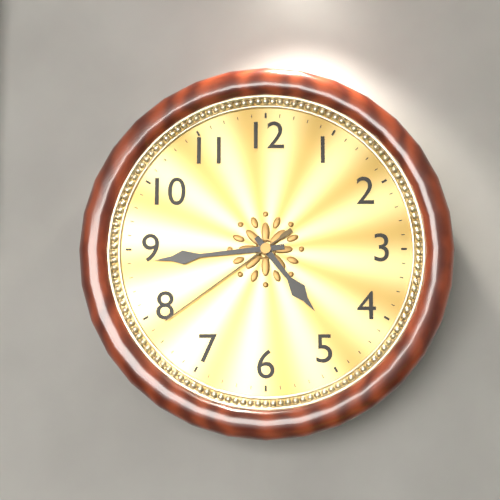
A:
h=4 m=44 s=39
